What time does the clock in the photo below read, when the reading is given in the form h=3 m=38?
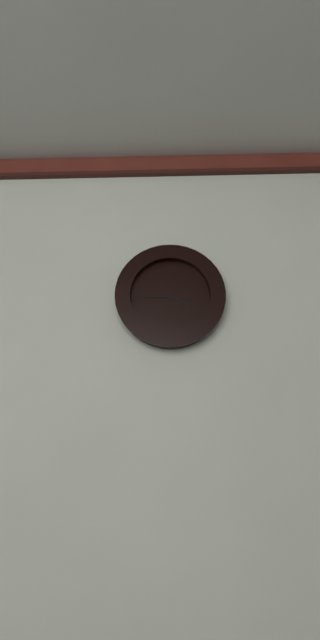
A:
h=3 m=45
